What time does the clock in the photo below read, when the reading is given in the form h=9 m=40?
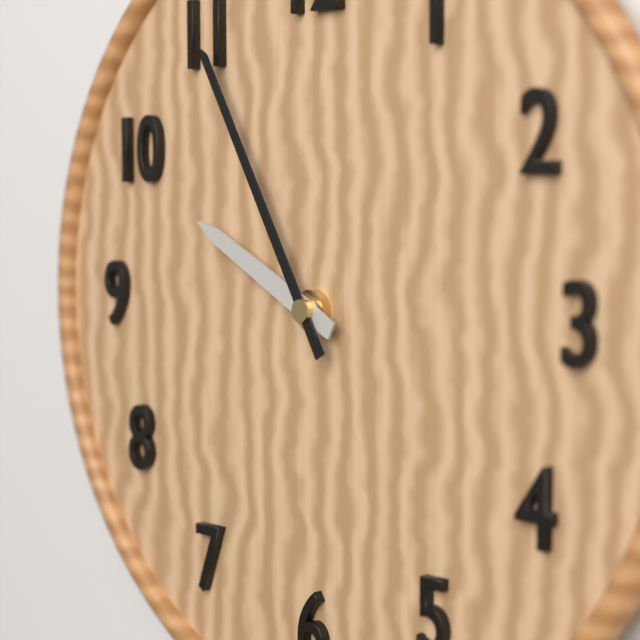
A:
h=9 m=55
